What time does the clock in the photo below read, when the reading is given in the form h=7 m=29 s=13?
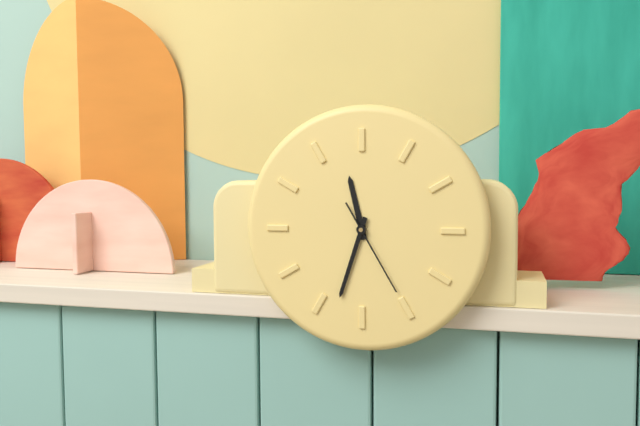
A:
h=11 m=33 s=25
